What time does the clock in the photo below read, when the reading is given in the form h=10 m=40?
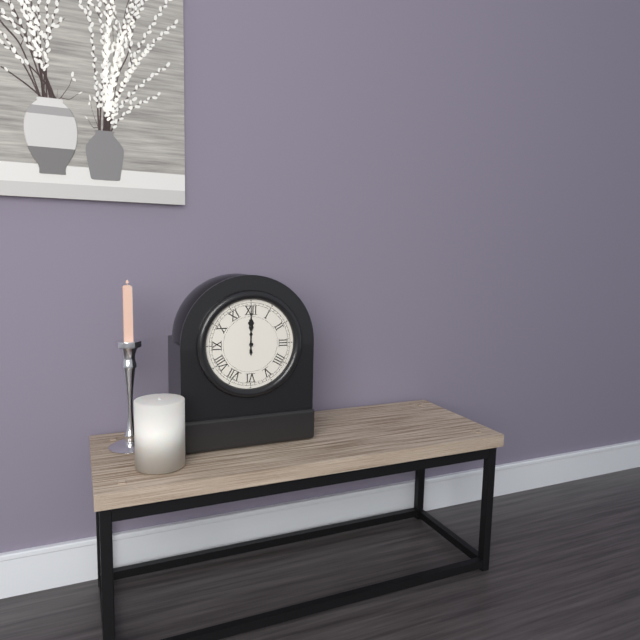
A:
h=12 m=0
